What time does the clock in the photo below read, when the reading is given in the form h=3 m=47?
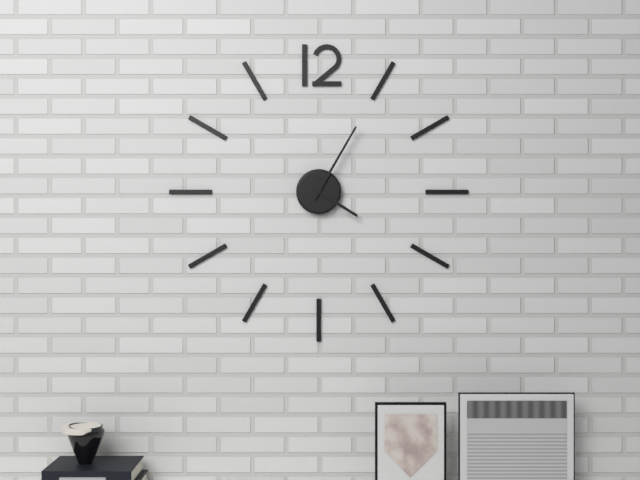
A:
h=4 m=5
